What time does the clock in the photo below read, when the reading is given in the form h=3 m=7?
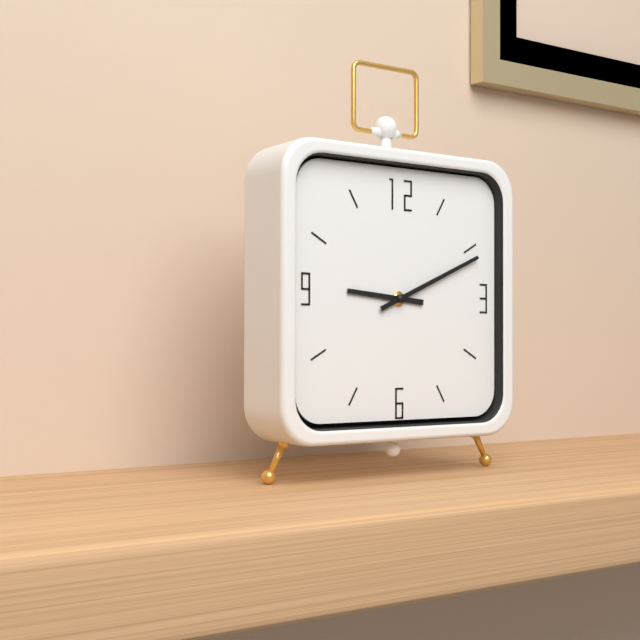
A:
h=9 m=11
